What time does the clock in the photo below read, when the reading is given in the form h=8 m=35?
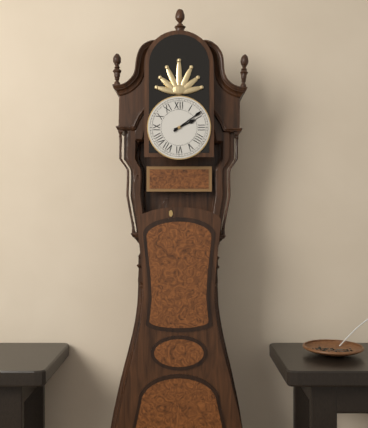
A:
h=2 m=9
